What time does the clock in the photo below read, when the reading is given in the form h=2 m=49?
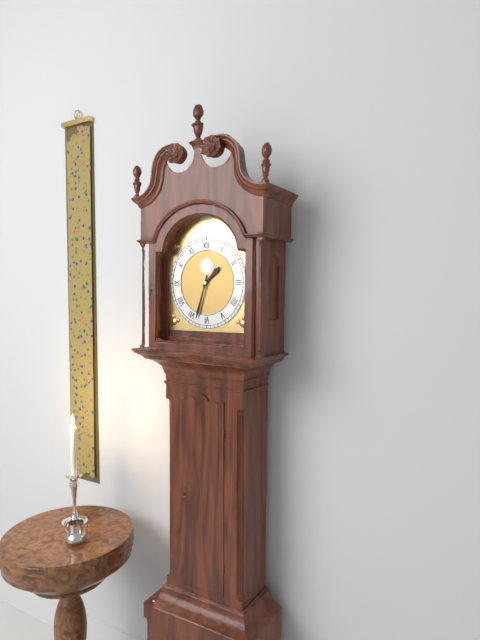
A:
h=1 m=33
